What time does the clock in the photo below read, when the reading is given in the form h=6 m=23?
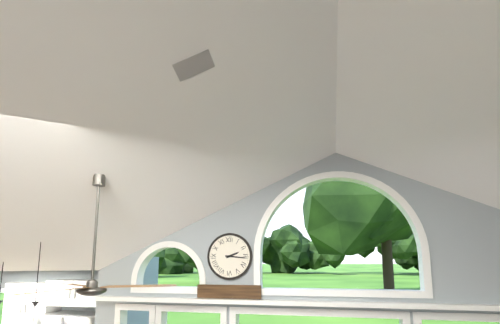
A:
h=2 m=16
